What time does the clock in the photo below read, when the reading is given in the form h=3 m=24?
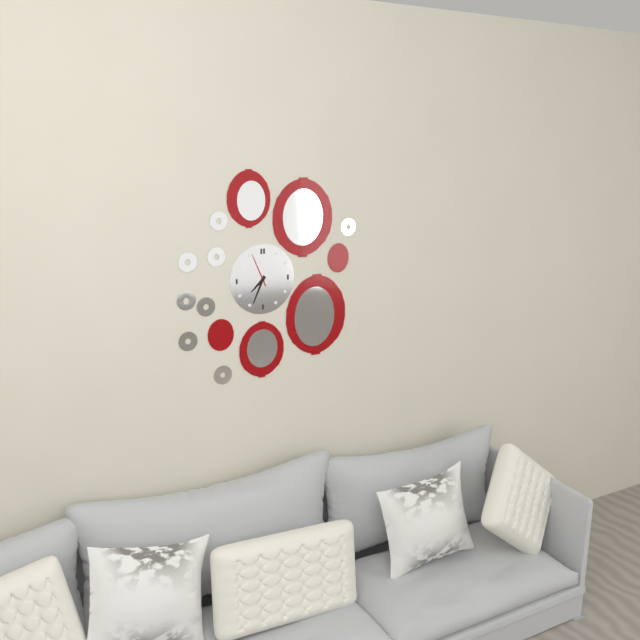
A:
h=7 m=34
